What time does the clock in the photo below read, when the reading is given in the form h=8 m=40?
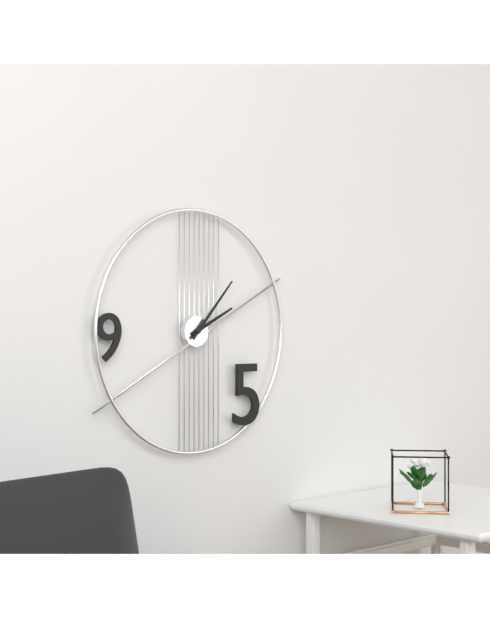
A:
h=2 m=7
